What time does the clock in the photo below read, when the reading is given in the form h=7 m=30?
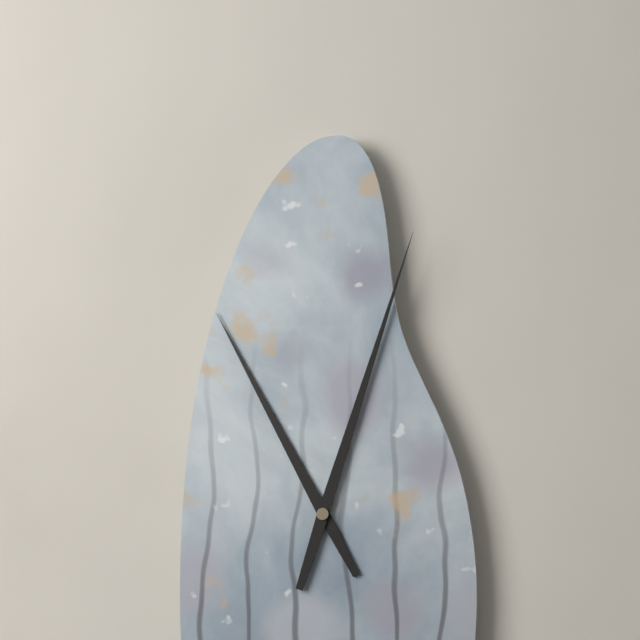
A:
h=11 m=3
